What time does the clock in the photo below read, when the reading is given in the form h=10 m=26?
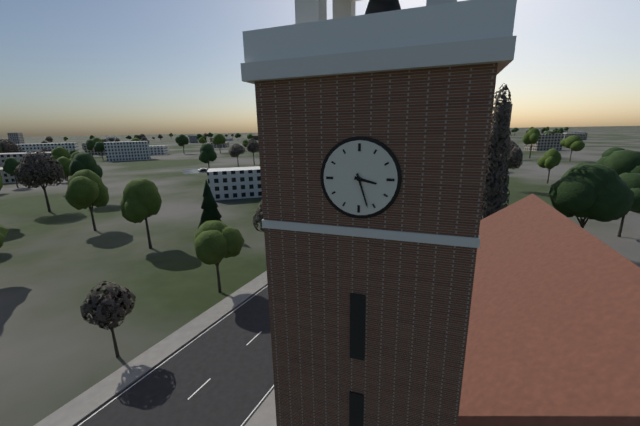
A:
h=3 m=27
